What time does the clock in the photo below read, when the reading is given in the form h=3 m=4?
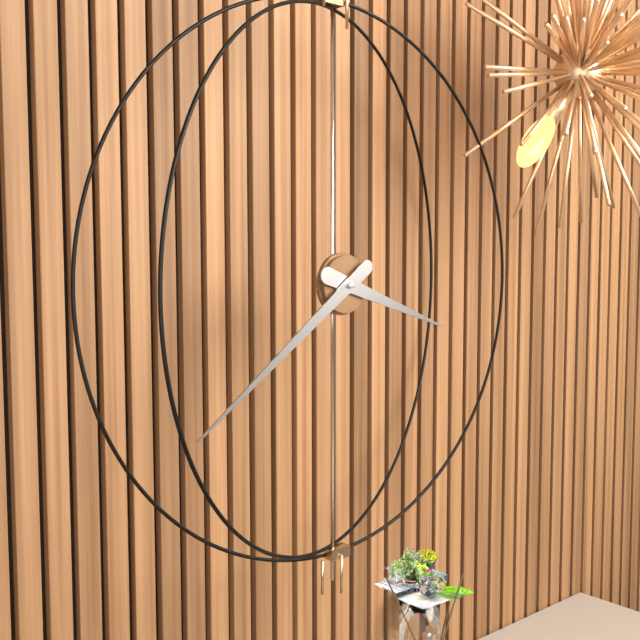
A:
h=3 m=39
